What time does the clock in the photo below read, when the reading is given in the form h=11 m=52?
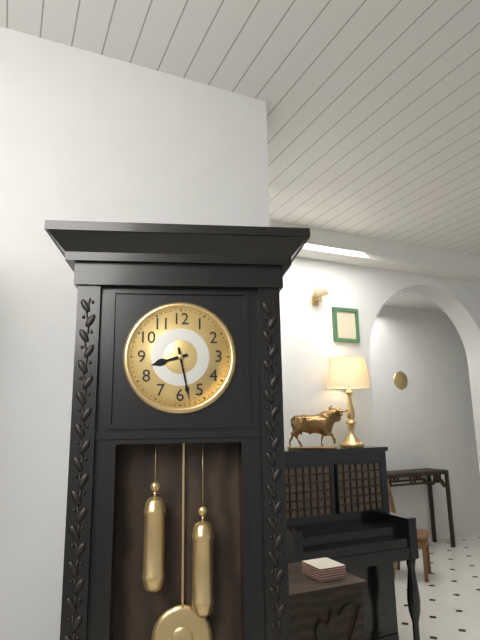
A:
h=8 m=28
